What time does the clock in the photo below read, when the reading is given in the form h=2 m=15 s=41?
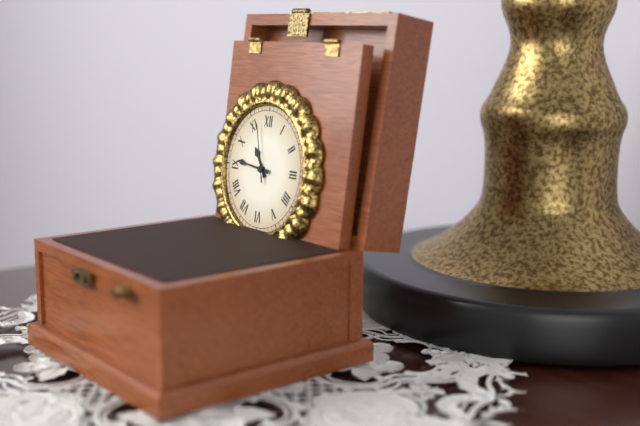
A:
h=10 m=46 s=57
